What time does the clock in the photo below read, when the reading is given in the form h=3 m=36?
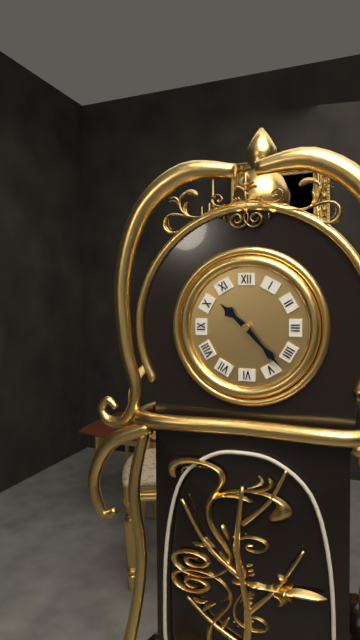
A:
h=10 m=23
